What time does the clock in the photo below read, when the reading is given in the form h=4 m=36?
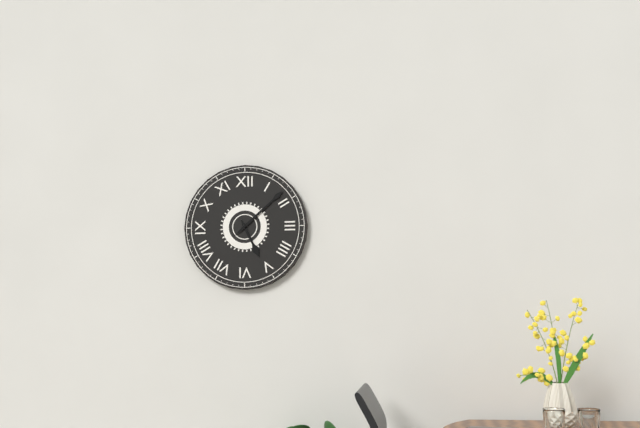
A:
h=5 m=8
